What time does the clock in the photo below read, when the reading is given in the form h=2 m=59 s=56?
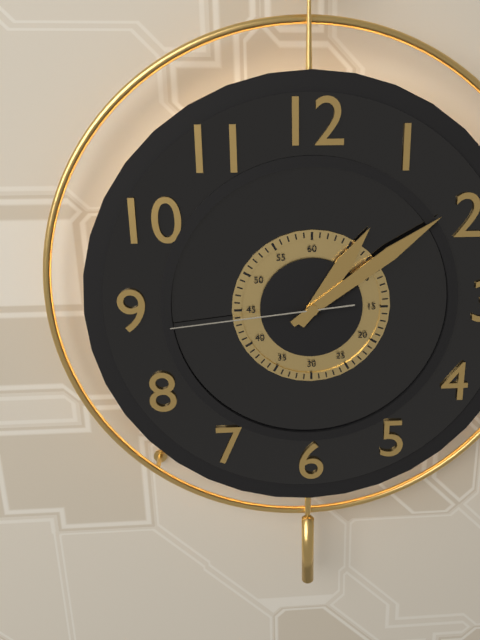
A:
h=1 m=9 s=44
